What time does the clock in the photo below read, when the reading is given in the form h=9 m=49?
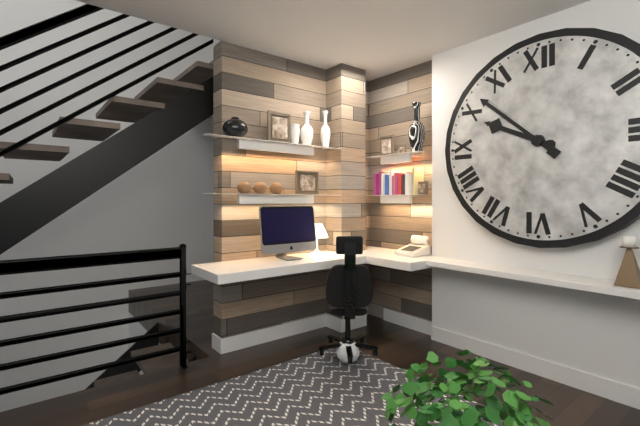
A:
h=9 m=52
